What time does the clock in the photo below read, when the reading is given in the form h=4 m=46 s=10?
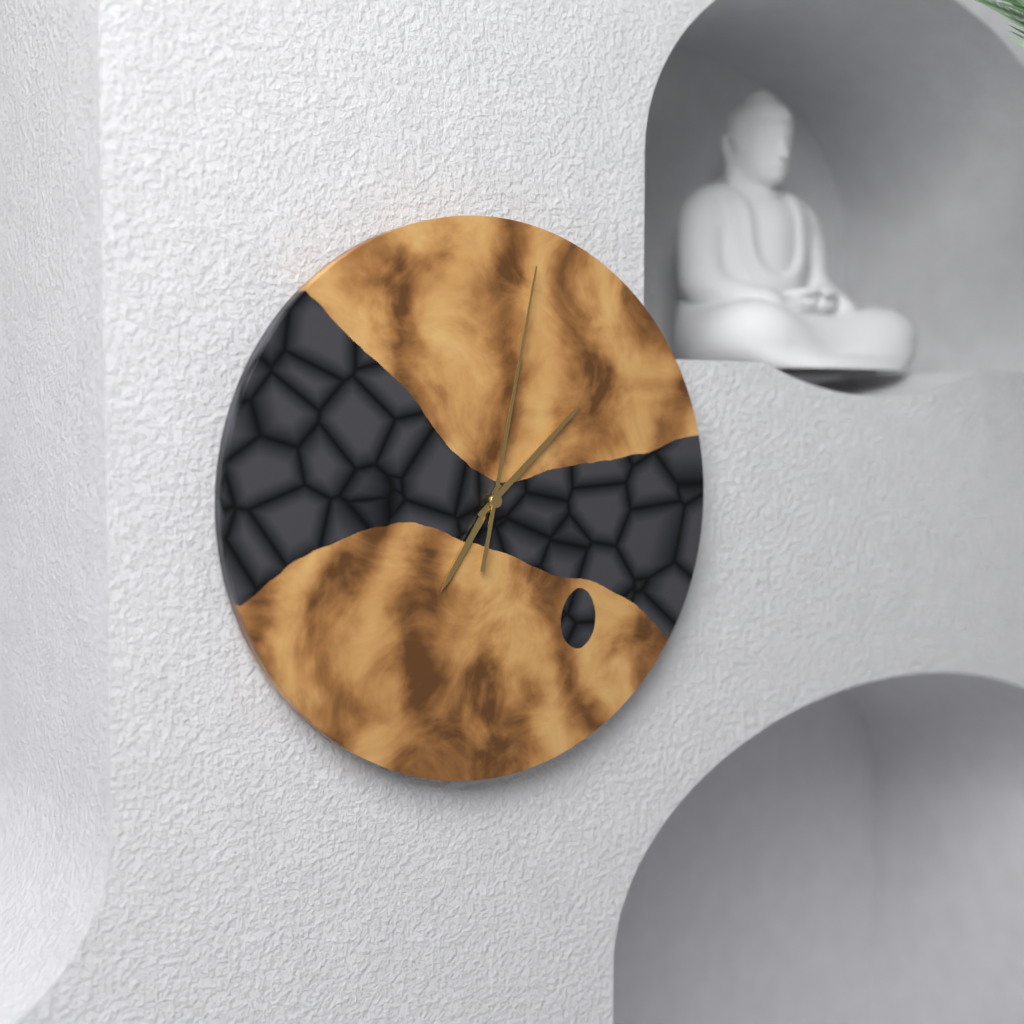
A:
h=7 m=8 s=2
